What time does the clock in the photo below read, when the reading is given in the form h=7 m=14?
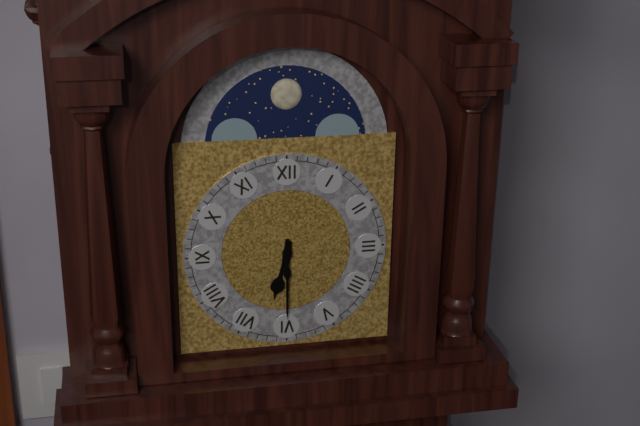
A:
h=6 m=30
